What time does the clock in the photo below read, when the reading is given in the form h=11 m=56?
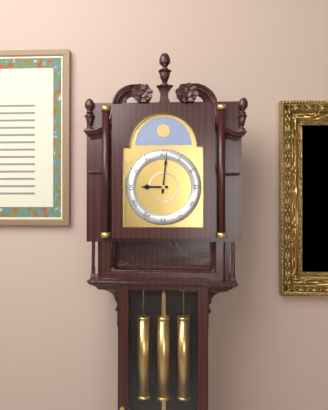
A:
h=9 m=1
